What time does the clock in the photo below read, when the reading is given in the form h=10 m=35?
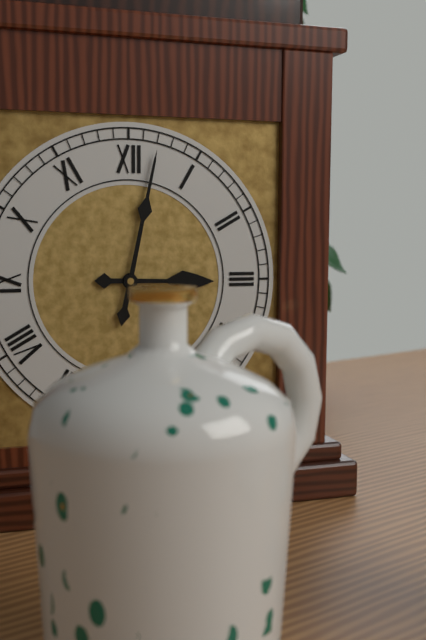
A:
h=3 m=2
